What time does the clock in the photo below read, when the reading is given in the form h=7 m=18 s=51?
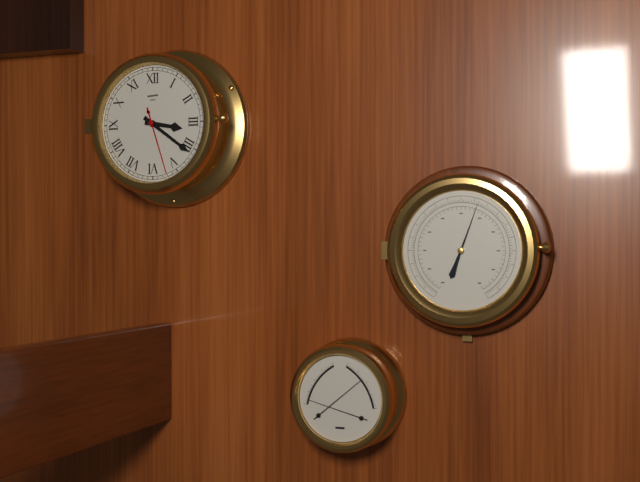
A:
h=3 m=21 s=27
